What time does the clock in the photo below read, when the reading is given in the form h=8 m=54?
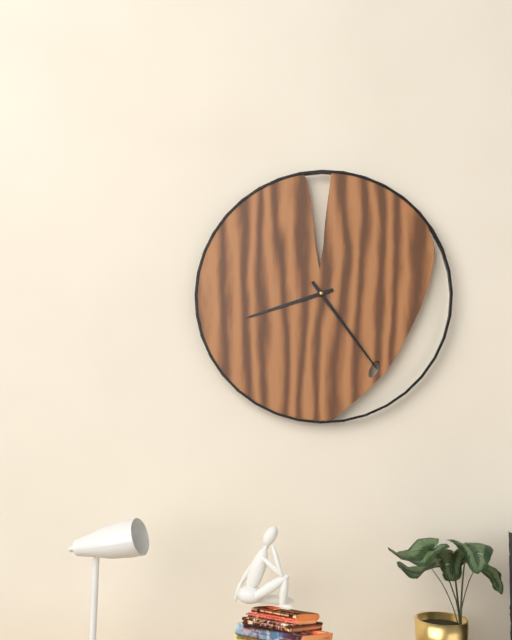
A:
h=8 m=24
